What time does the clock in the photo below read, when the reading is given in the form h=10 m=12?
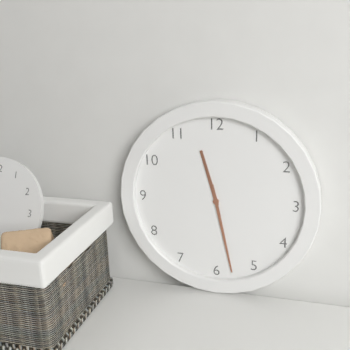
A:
h=11 m=28
